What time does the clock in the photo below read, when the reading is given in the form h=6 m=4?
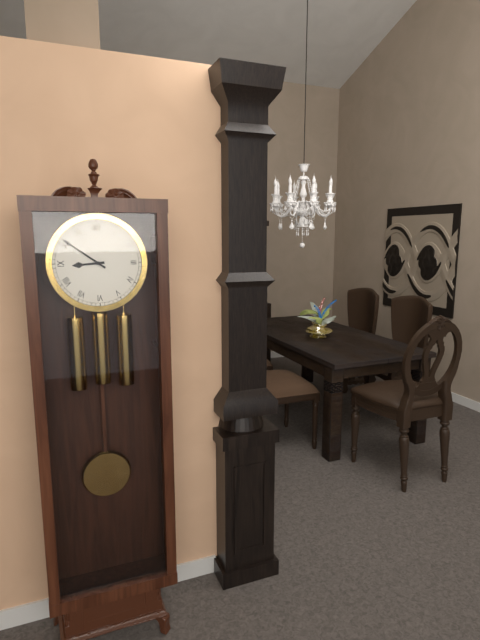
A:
h=8 m=51
